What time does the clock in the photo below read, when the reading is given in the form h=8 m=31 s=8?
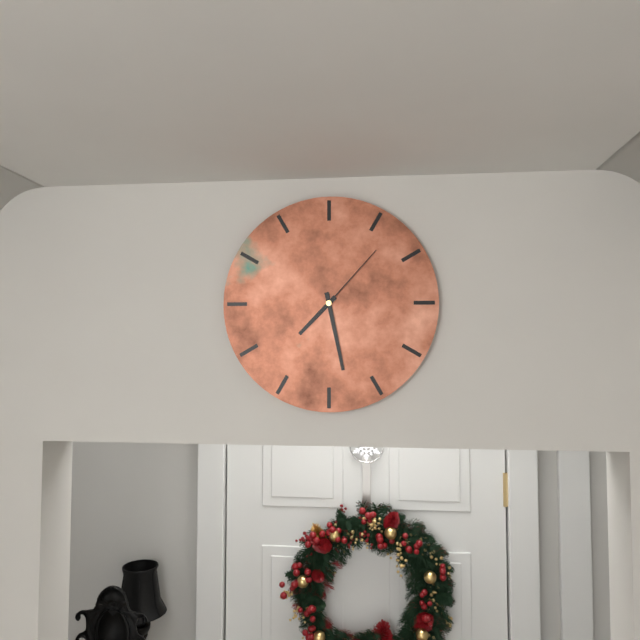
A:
h=7 m=28 s=7
